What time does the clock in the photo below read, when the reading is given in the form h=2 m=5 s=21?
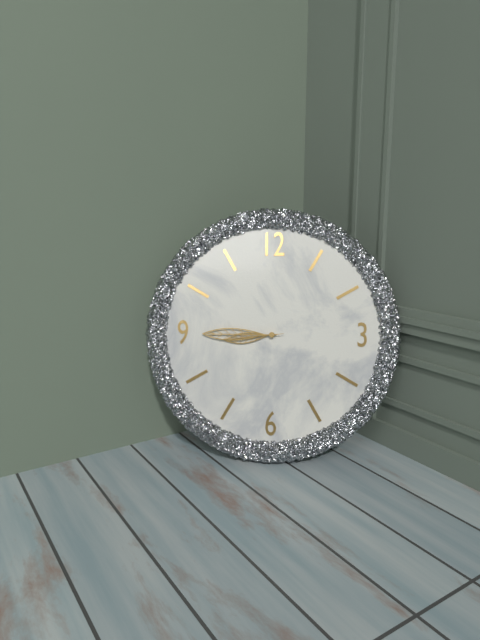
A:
h=8 m=45 s=44
